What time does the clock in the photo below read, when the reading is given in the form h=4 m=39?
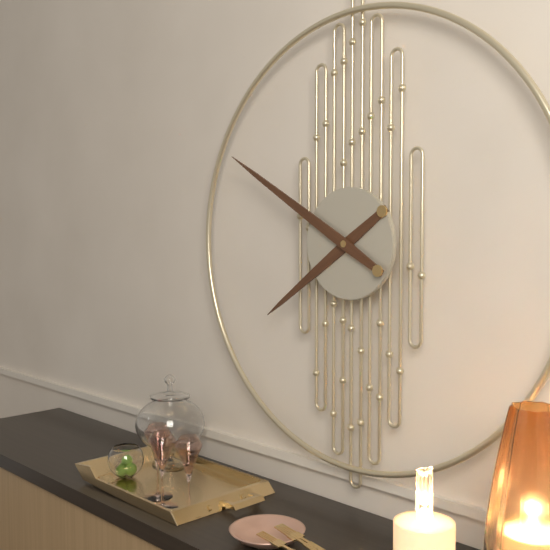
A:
h=7 m=50
